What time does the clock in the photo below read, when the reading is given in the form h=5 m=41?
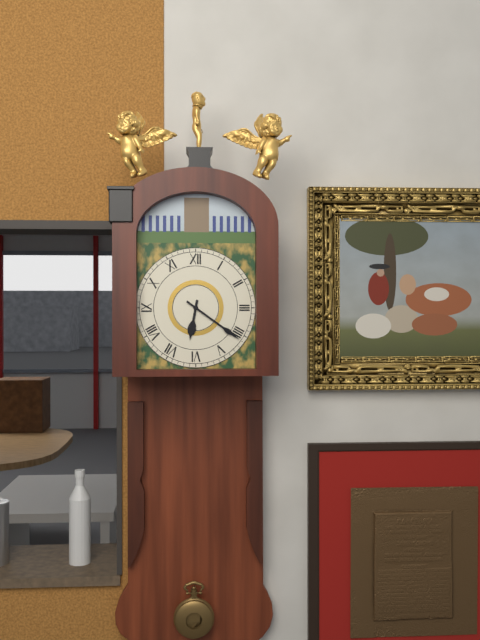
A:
h=6 m=21
